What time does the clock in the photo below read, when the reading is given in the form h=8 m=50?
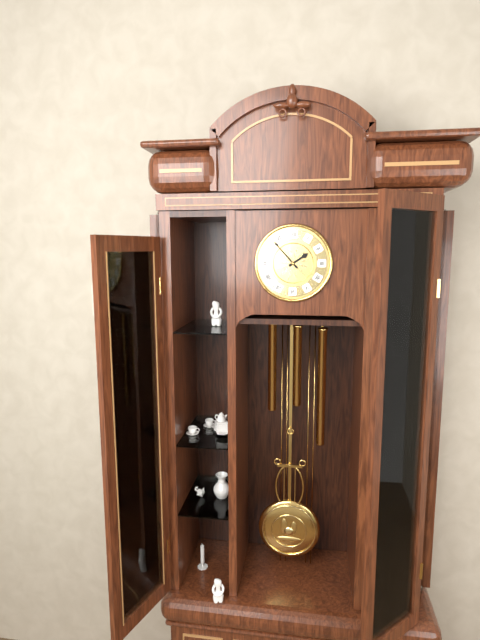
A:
h=1 m=53
